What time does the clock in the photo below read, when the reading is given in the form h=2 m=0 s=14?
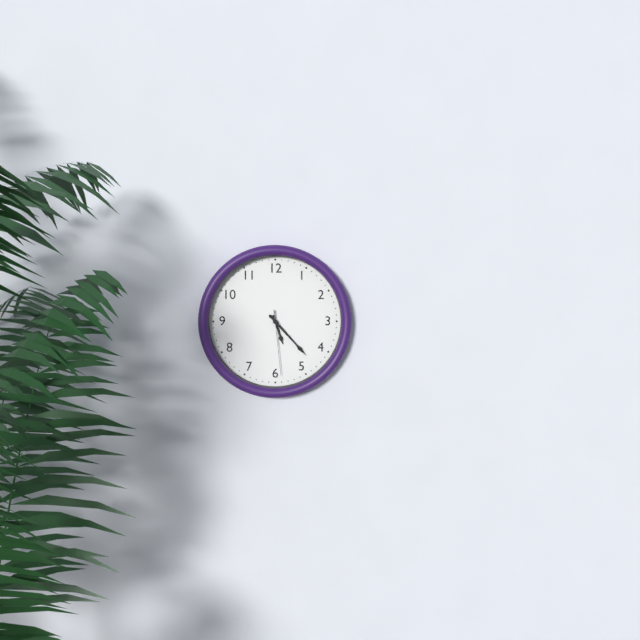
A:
h=5 m=23 s=29
